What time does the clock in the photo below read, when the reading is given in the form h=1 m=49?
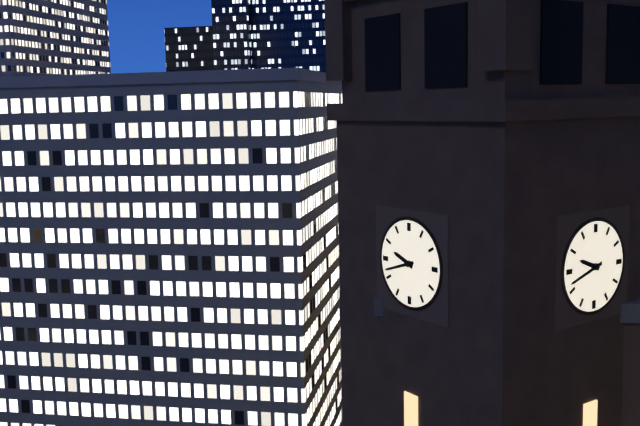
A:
h=9 m=42
